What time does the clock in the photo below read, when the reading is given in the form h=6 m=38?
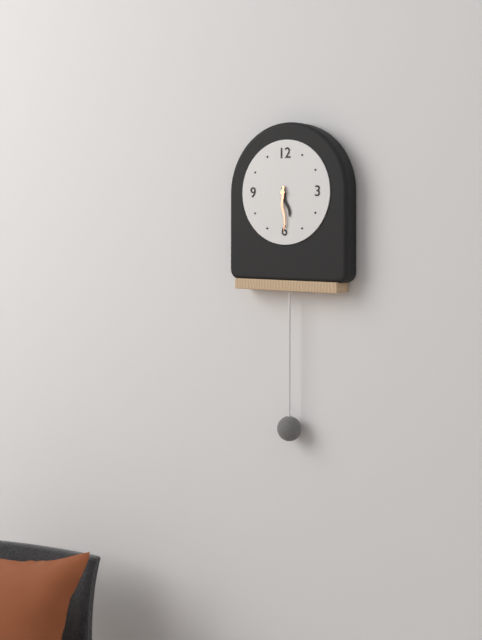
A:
h=5 m=30
